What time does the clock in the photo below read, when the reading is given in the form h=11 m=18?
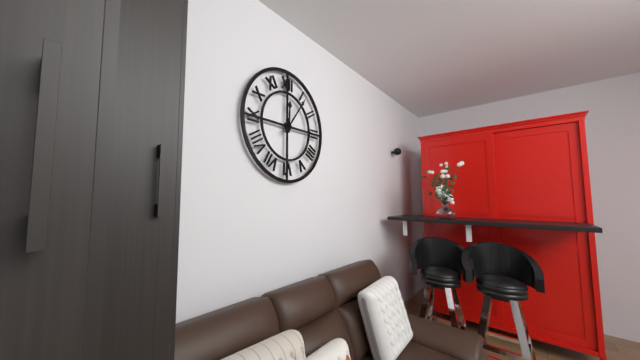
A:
h=12 m=6
